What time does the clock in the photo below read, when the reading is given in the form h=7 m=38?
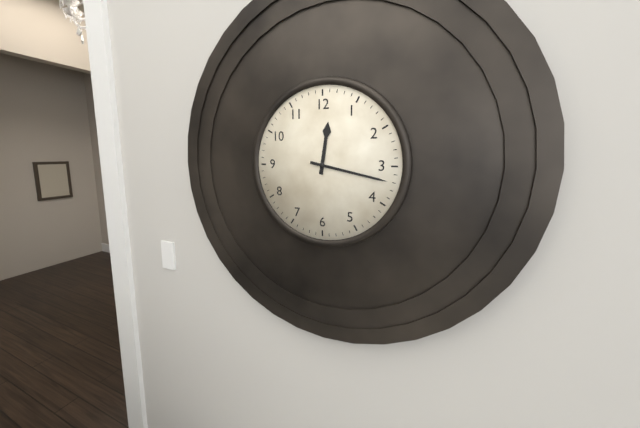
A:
h=12 m=17
